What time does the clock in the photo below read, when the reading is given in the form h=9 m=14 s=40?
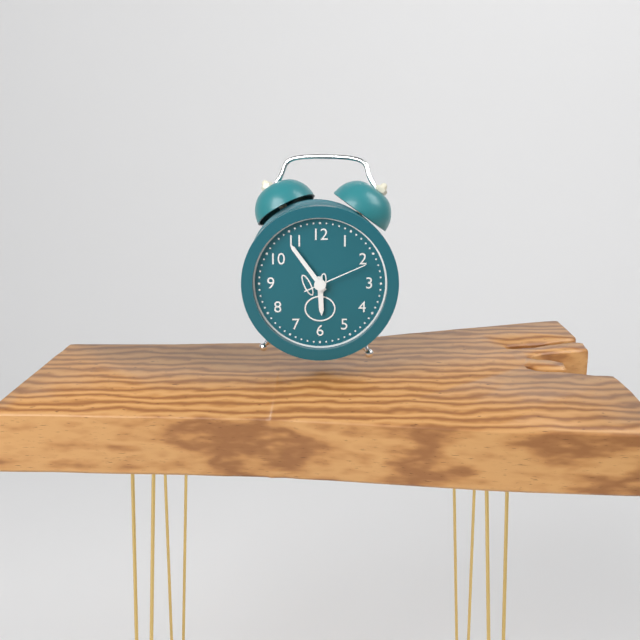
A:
h=5 m=54 s=11
